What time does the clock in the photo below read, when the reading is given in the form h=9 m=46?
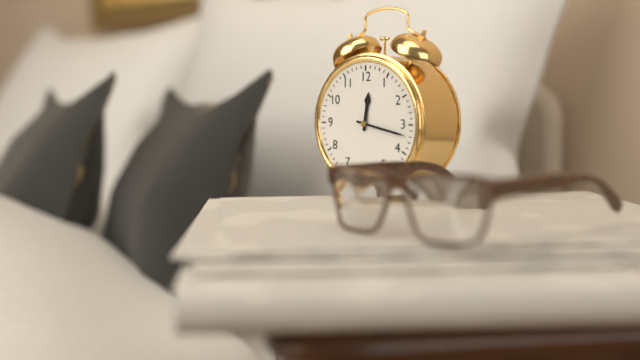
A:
h=12 m=17
